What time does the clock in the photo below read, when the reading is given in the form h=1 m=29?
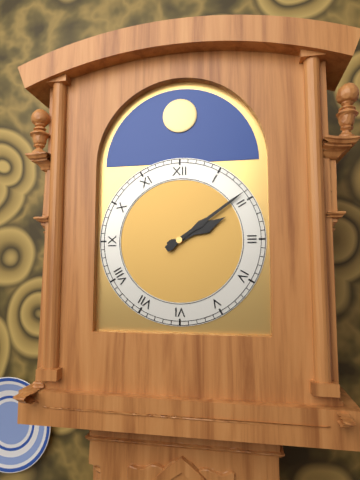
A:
h=2 m=9
